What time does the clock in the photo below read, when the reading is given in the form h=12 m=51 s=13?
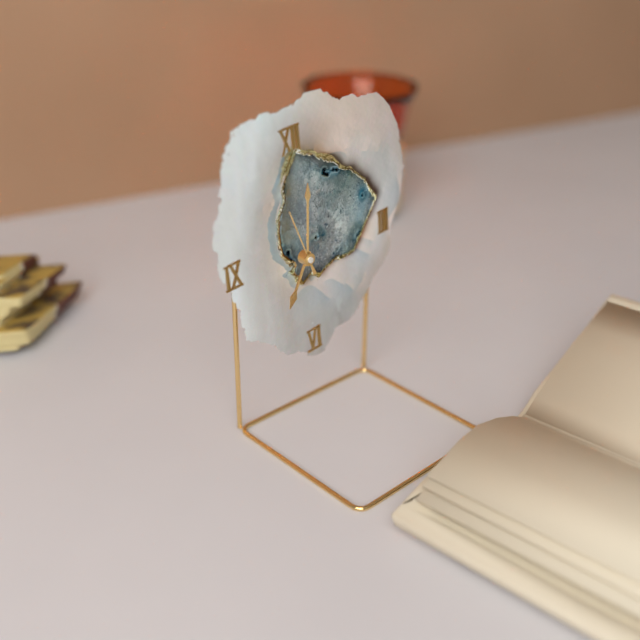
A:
h=7 m=1 s=57
